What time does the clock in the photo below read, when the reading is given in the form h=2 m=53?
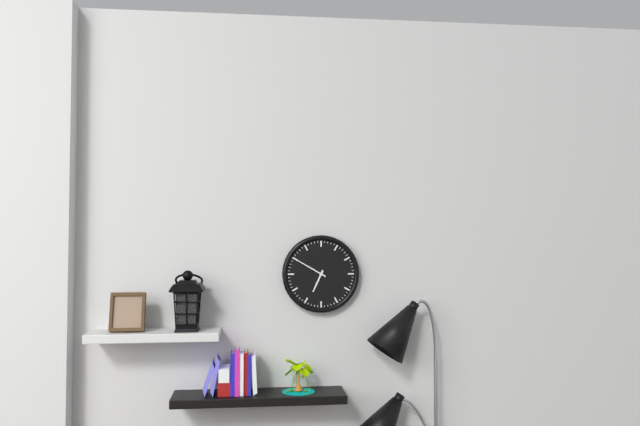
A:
h=6 m=50
